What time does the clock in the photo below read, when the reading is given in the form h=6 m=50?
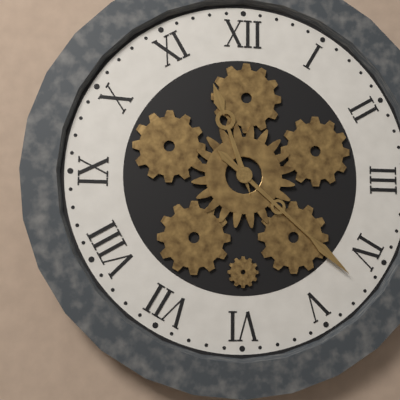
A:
h=11 m=22
